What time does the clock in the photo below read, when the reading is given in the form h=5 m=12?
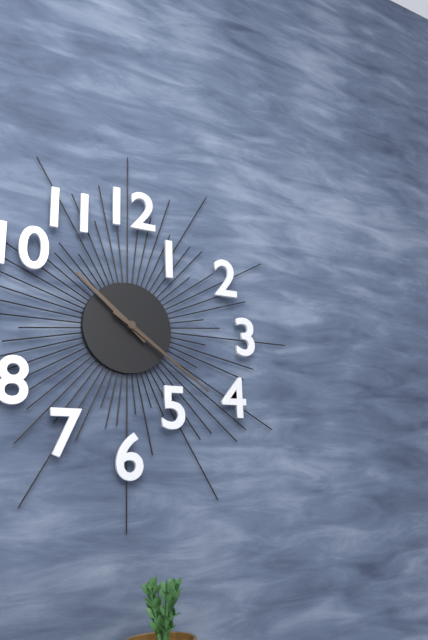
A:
h=10 m=21
